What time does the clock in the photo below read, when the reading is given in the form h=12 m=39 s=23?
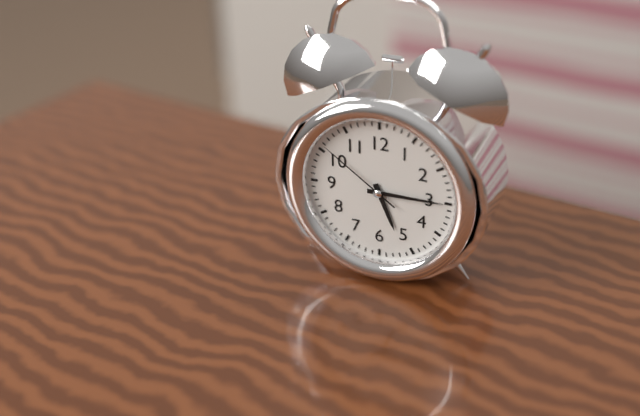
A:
h=5 m=15 s=51
